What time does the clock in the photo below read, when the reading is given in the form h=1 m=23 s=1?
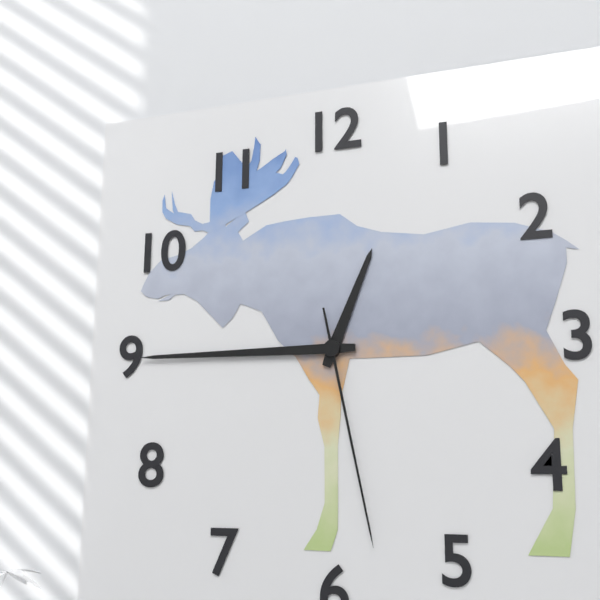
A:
h=12 m=45 s=28
